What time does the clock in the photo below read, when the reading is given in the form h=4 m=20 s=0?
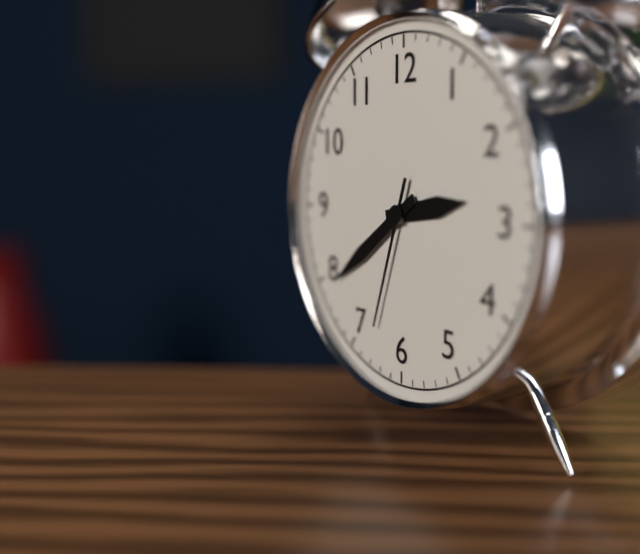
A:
h=2 m=39 s=33
